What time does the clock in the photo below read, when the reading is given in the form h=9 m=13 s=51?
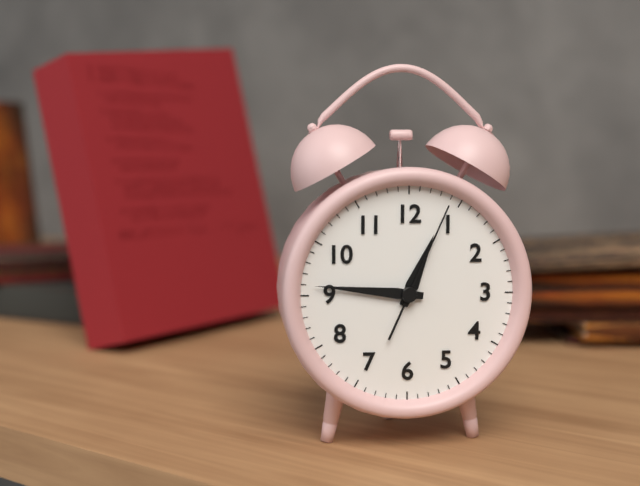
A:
h=12 m=46 s=4
